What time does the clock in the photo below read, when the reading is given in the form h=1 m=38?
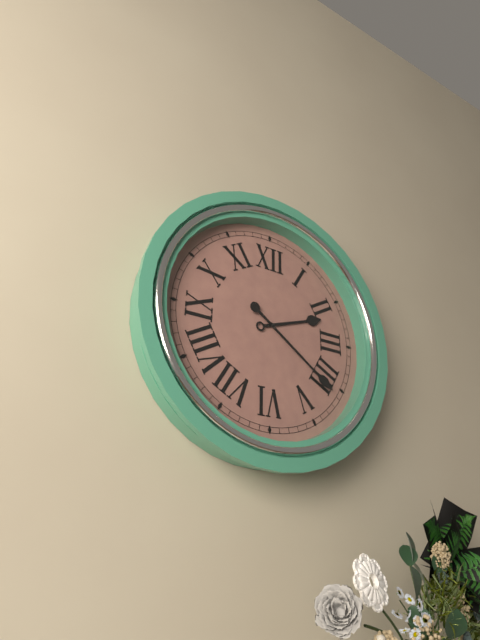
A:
h=2 m=21
